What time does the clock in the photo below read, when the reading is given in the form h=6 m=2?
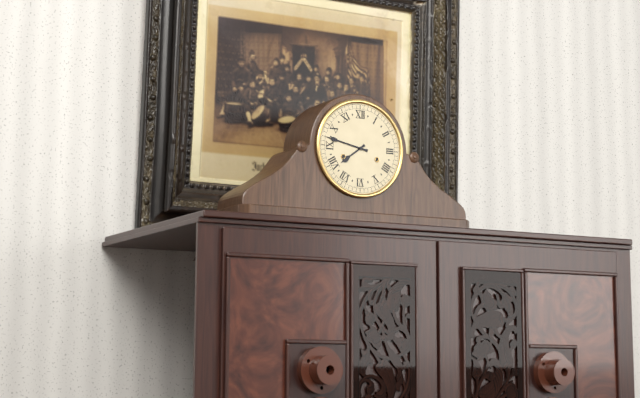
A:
h=7 m=47
